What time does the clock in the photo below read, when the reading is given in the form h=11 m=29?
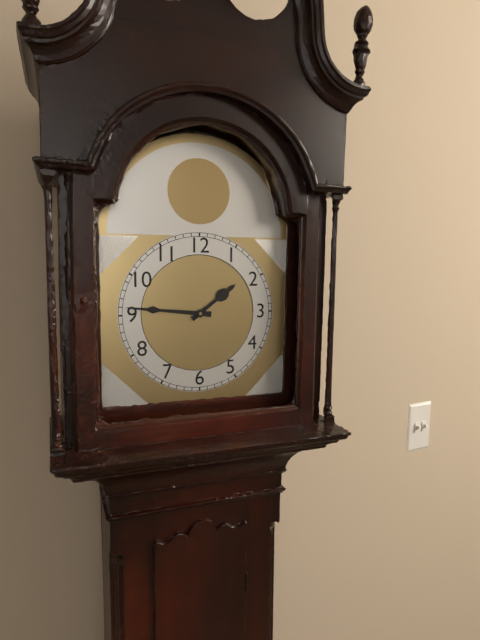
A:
h=1 m=46
